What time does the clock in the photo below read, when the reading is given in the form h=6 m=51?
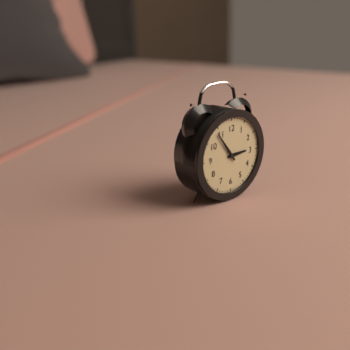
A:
h=2 m=54
